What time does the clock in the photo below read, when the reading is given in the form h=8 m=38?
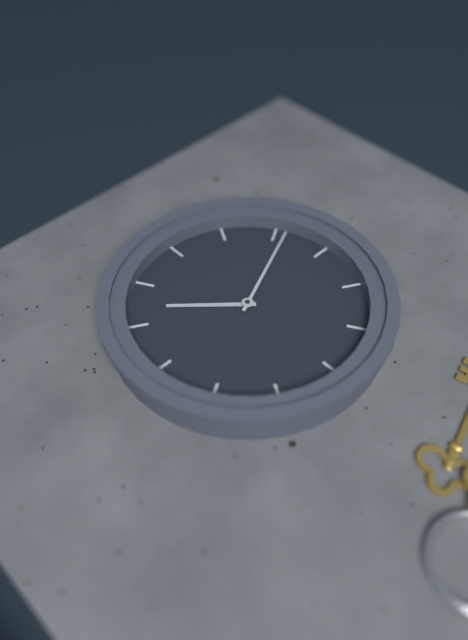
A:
h=1 m=26
